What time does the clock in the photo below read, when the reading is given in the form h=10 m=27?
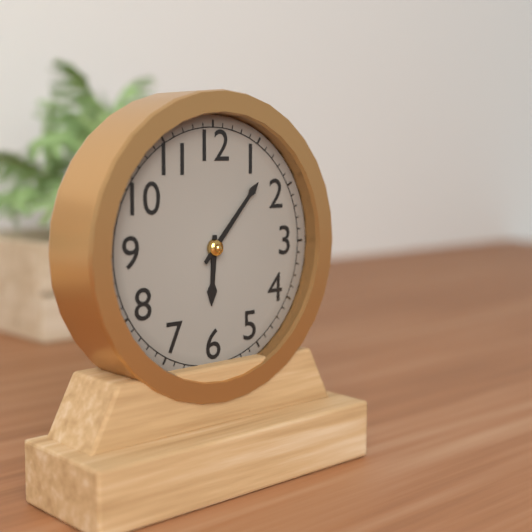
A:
h=6 m=7
